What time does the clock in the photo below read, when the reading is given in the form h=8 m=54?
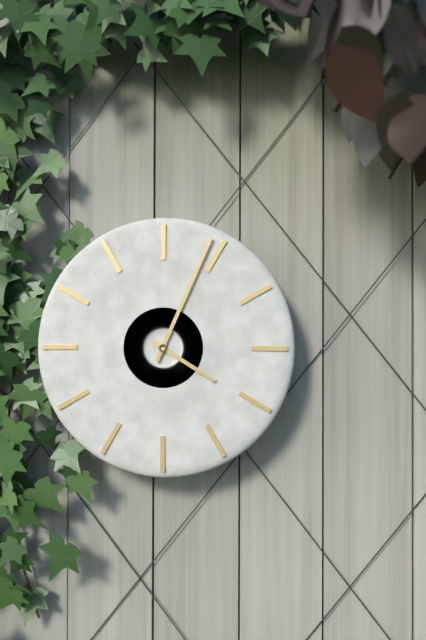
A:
h=4 m=4
